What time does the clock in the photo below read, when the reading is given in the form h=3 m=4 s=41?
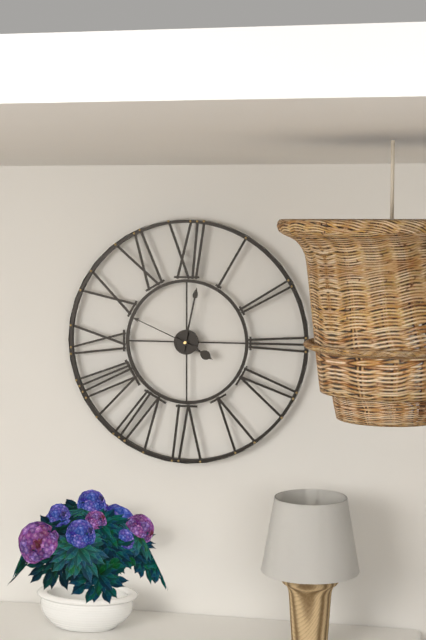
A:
h=4 m=2 s=49
